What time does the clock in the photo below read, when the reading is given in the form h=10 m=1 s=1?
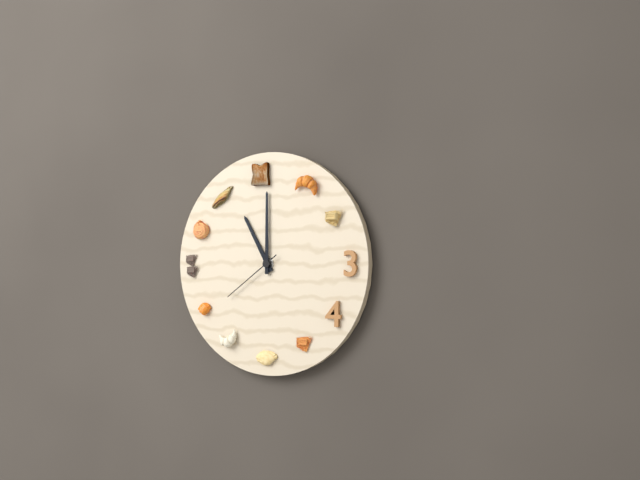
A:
h=11 m=0 s=39
